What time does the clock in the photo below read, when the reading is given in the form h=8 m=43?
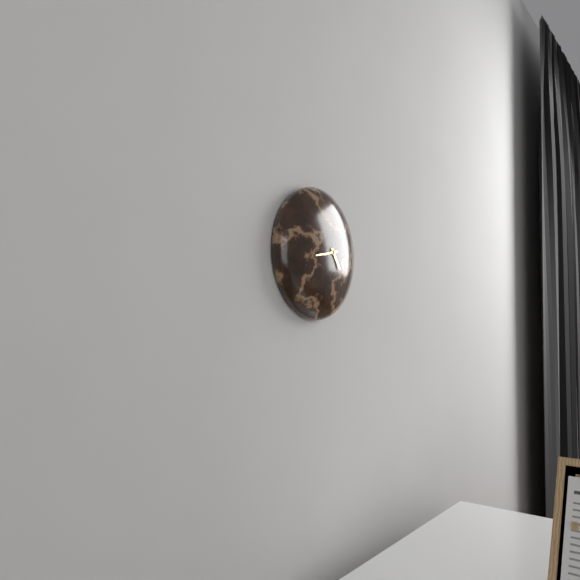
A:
h=4 m=43
